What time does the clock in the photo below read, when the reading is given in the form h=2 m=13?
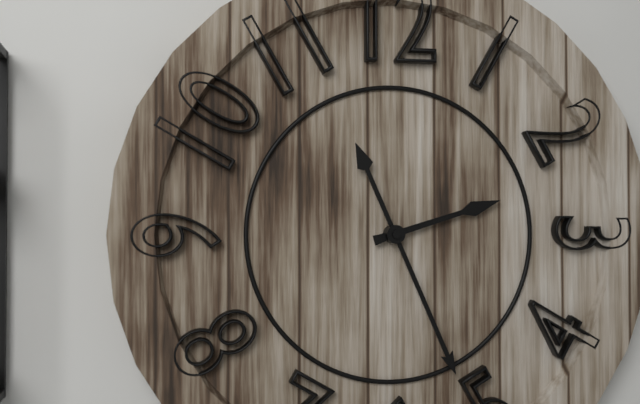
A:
h=2 m=26
